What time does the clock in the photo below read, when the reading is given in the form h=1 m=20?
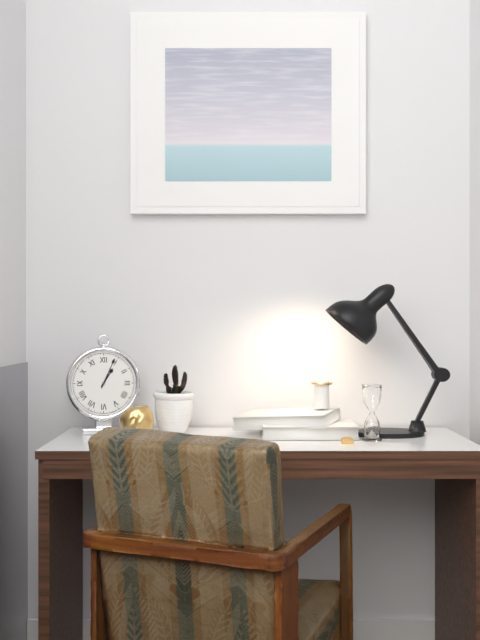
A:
h=1 m=4
